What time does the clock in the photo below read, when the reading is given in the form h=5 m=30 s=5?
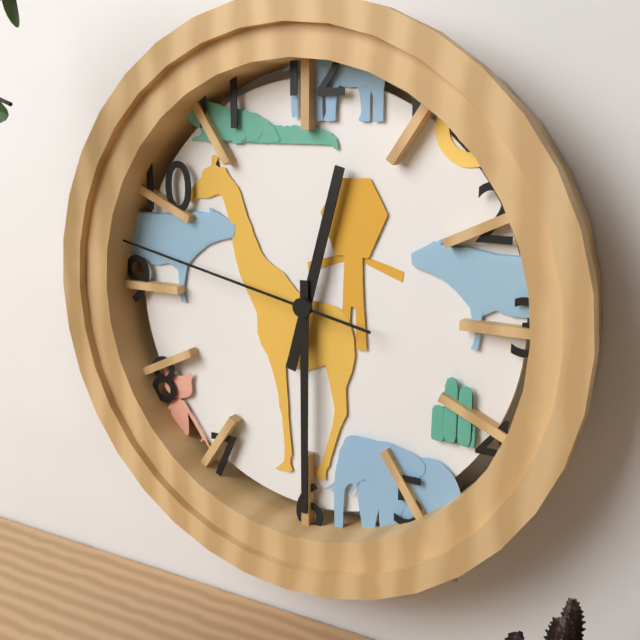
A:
h=12 m=30 s=47
